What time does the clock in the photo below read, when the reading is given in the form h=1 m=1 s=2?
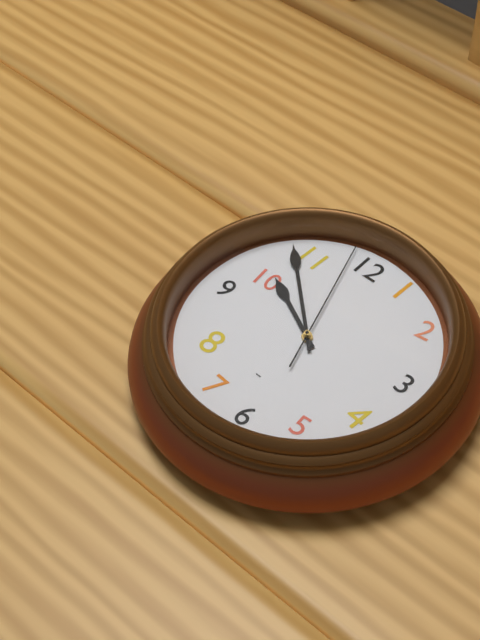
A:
h=9 m=52 s=57
